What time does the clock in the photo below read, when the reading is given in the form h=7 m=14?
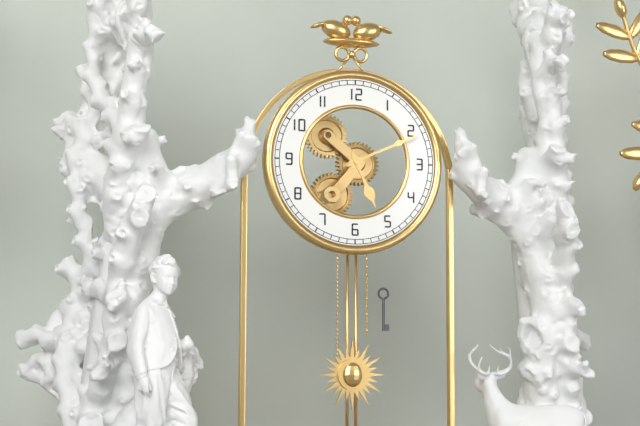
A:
h=5 m=11
